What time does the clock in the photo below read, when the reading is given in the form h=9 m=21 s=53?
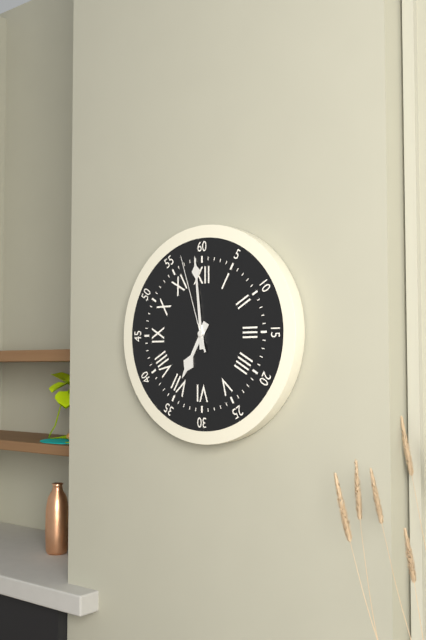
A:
h=6 m=59 s=57
